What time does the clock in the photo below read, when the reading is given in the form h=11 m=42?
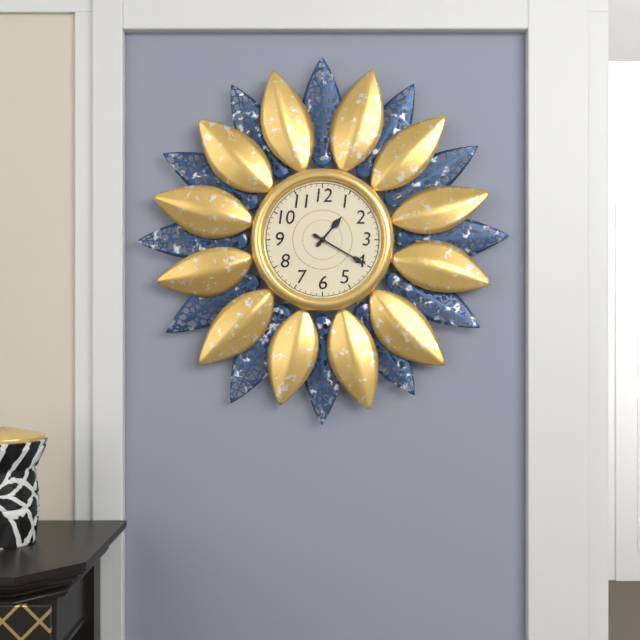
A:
h=1 m=20
